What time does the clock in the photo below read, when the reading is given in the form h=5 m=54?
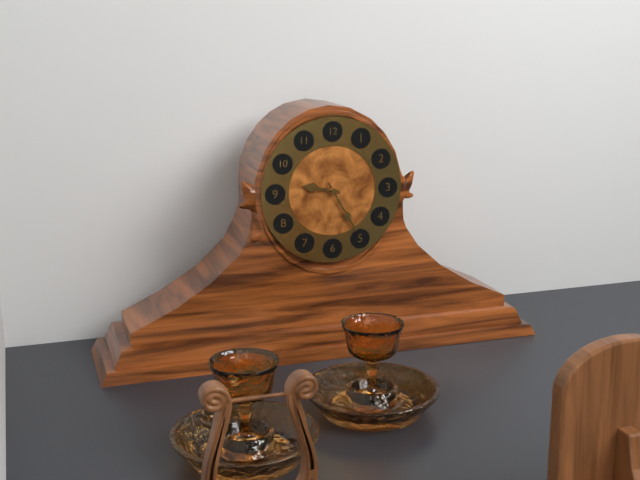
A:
h=9 m=25
